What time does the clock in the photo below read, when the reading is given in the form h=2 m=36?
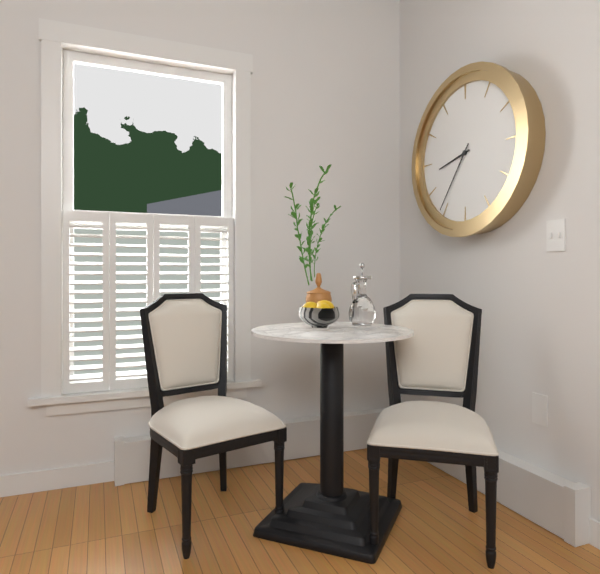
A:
h=8 m=36
